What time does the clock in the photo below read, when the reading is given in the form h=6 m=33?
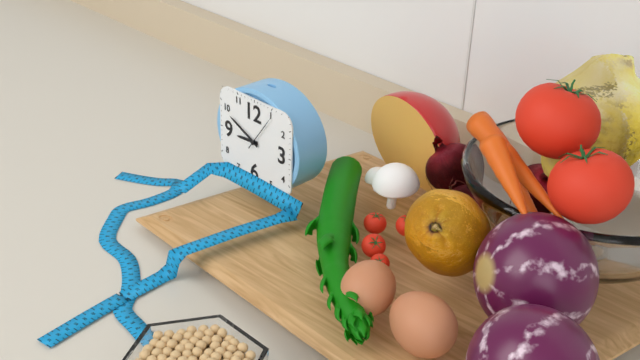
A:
h=8 m=49
